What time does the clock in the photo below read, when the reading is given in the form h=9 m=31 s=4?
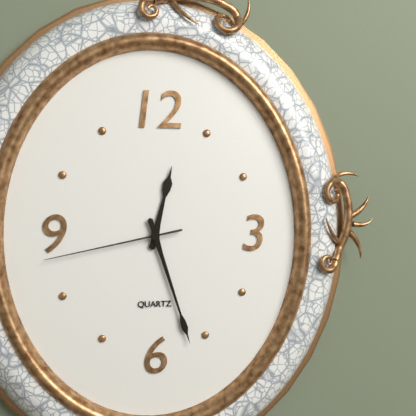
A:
h=12 m=27 s=43
